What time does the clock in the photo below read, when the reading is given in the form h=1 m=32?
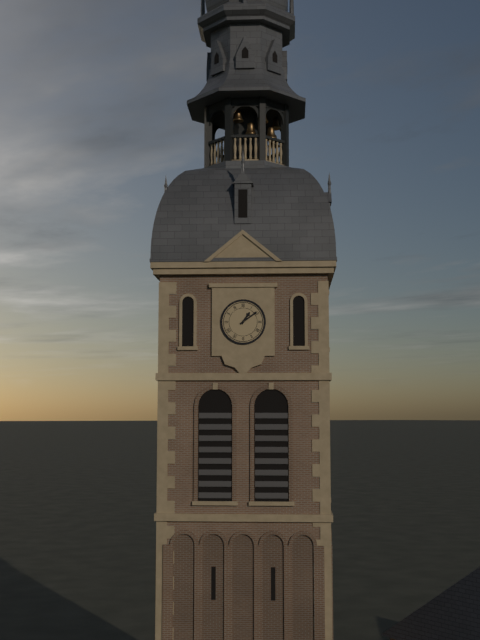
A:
h=1 m=9
